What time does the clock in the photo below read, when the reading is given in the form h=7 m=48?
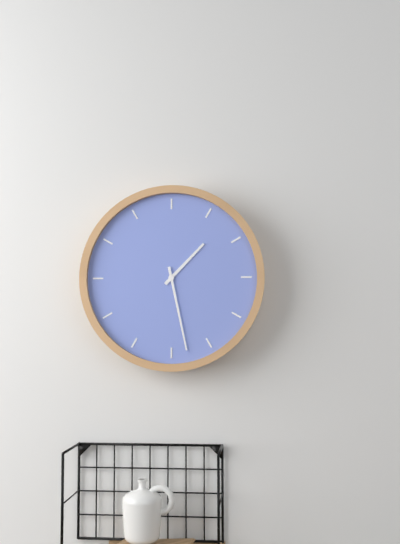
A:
h=1 m=28
